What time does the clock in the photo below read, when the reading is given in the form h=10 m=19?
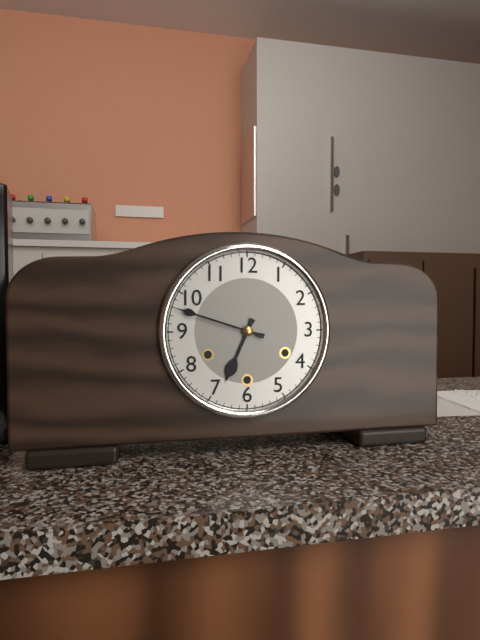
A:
h=6 m=48
